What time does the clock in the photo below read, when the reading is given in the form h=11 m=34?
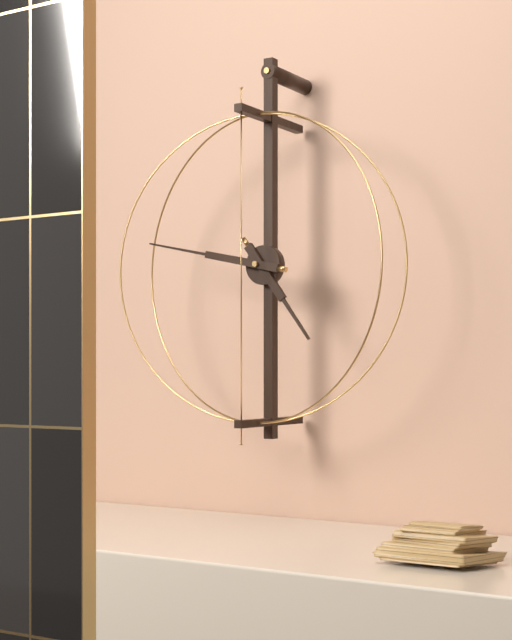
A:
h=4 m=47
